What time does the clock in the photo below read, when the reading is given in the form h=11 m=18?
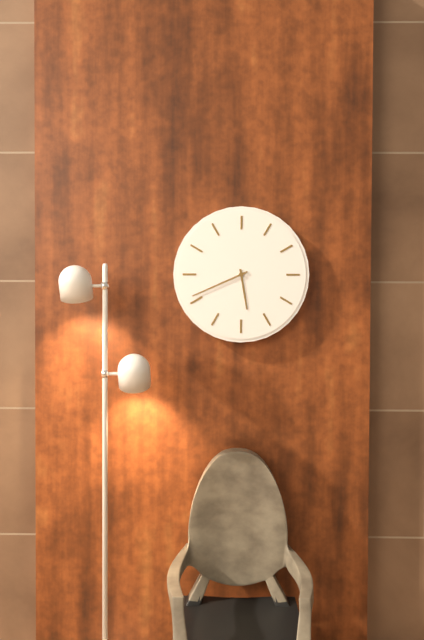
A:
h=5 m=41
